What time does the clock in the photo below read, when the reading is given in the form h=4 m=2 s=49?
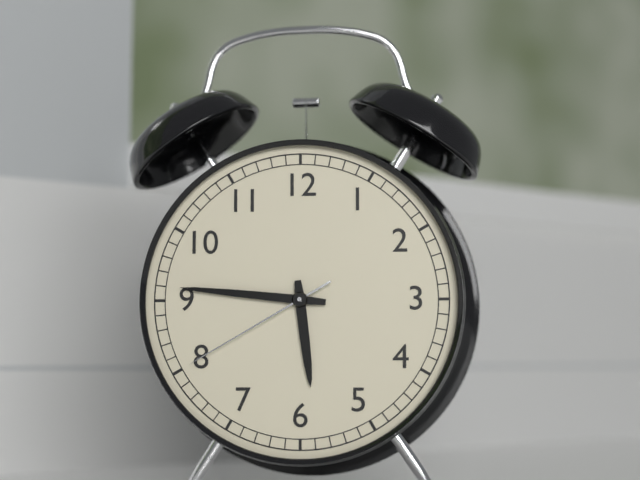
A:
h=5 m=46 s=40
